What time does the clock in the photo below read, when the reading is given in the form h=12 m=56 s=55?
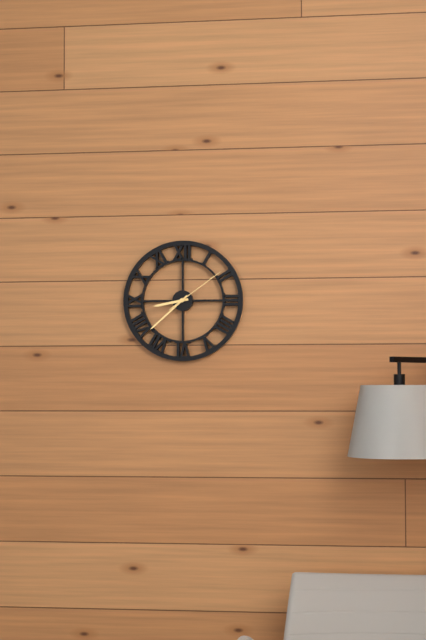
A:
h=8 m=38 s=9
